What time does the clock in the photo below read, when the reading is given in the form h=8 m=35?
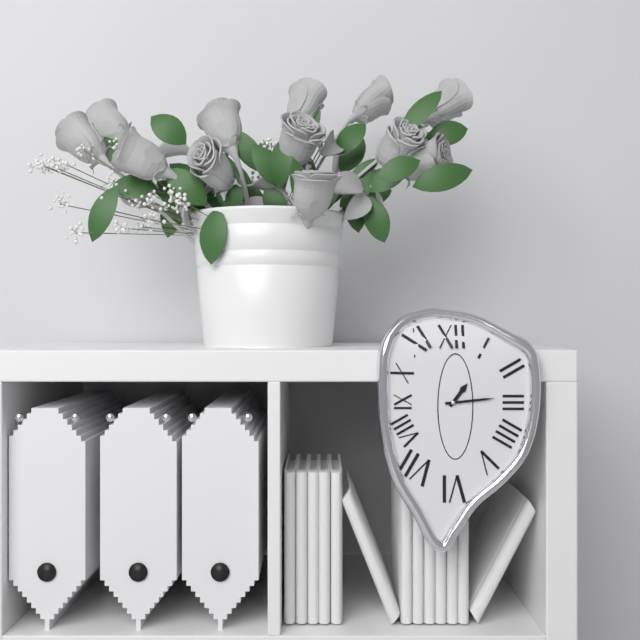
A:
h=1 m=14
